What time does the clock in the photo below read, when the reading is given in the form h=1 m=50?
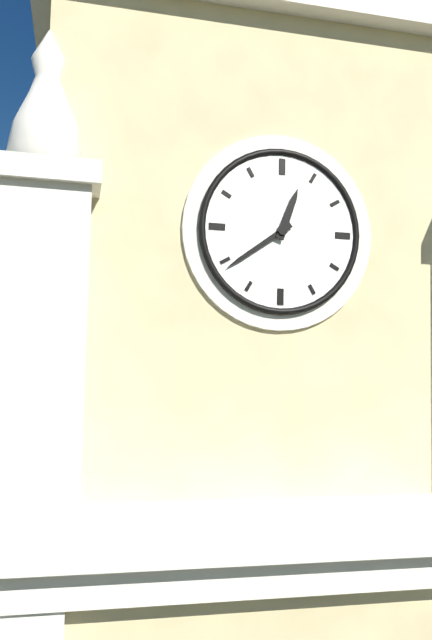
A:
h=12 m=39
